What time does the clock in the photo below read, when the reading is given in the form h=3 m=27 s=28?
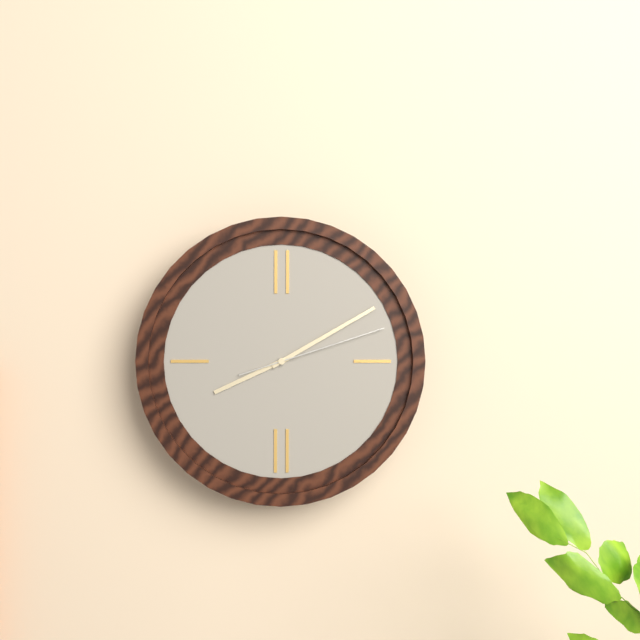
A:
h=8 m=10 s=12
